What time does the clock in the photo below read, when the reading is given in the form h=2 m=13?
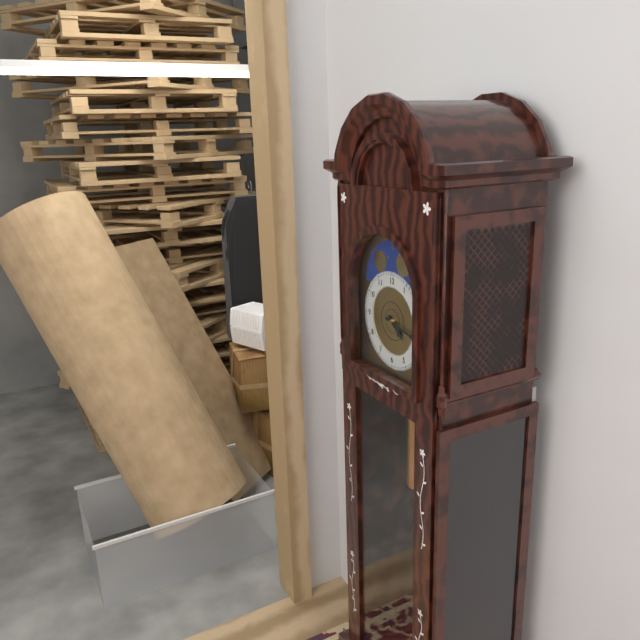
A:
h=4 m=17
